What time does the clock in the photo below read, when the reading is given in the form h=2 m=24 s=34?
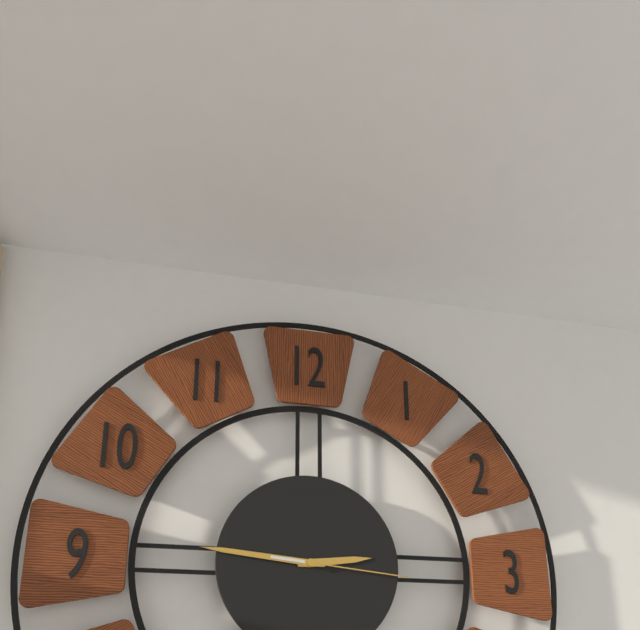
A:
h=2 m=46 s=16
